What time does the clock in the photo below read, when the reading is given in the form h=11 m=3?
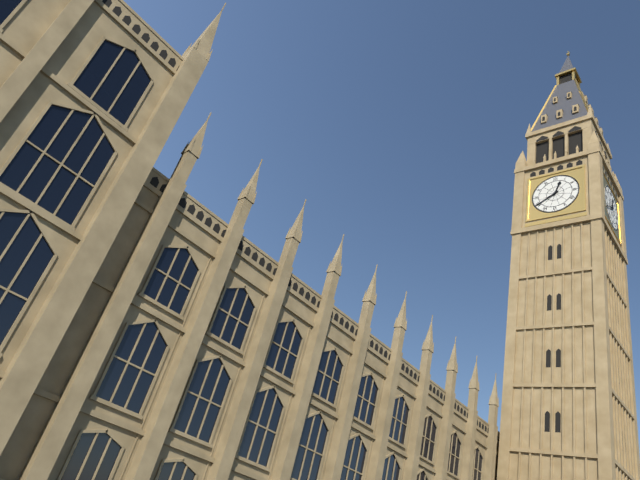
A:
h=12 m=40
